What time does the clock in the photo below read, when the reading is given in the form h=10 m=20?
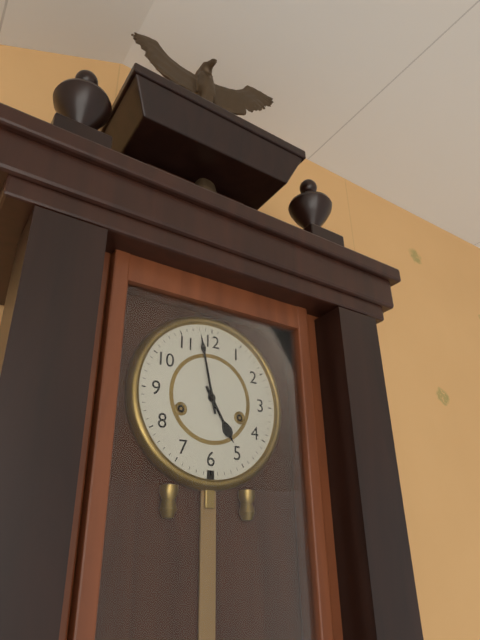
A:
h=4 m=58
